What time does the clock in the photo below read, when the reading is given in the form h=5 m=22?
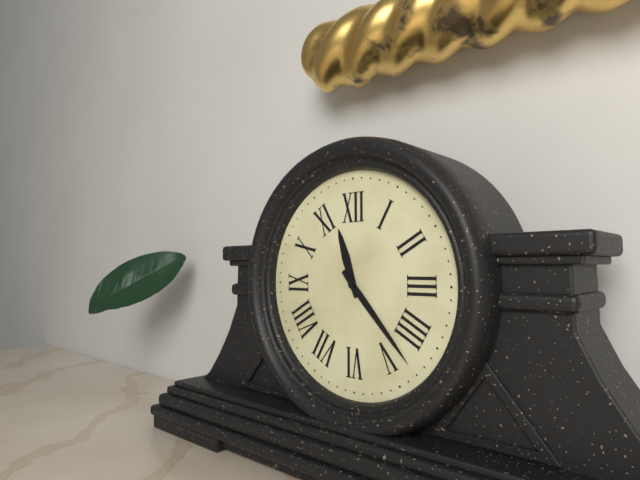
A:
h=11 m=23
